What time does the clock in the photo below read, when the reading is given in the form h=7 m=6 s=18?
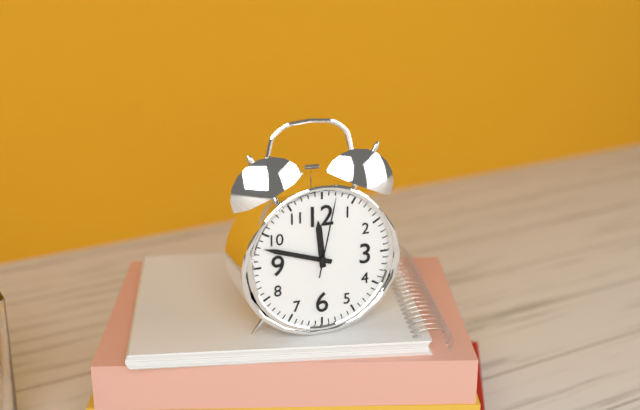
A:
h=11 m=48 s=2
